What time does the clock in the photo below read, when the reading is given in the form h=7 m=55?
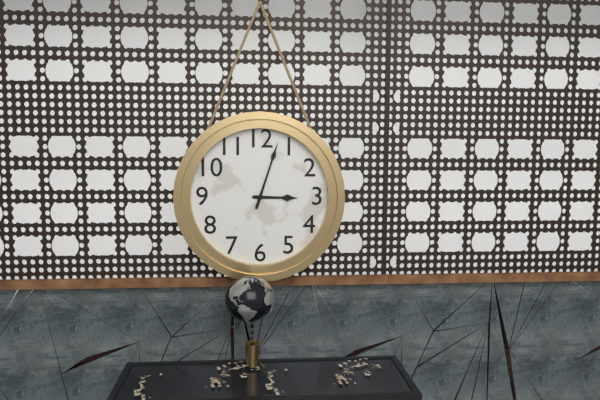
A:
h=3 m=3
